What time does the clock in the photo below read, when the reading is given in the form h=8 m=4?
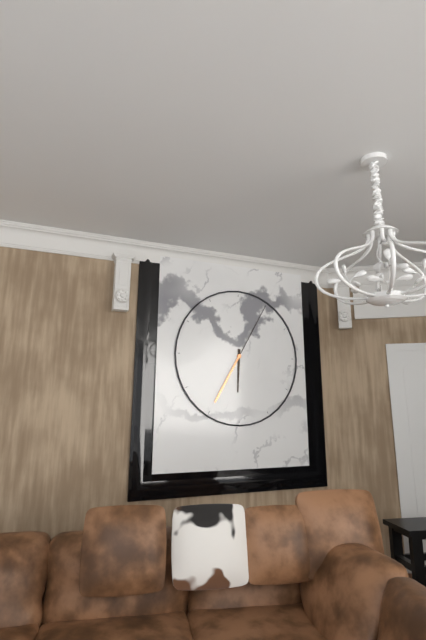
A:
h=6 m=5
